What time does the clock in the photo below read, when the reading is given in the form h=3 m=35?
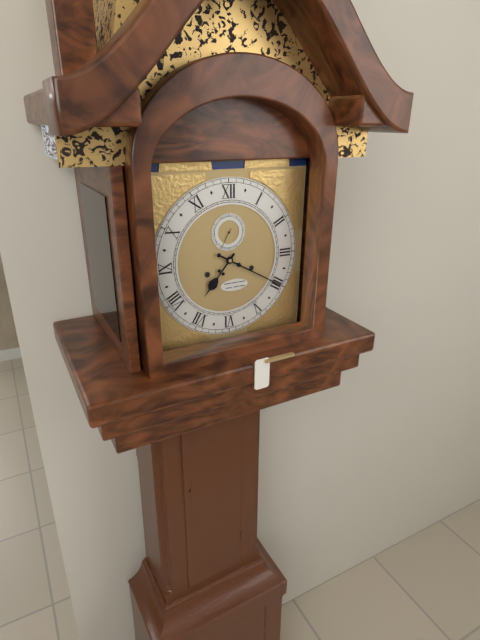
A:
h=7 m=20
